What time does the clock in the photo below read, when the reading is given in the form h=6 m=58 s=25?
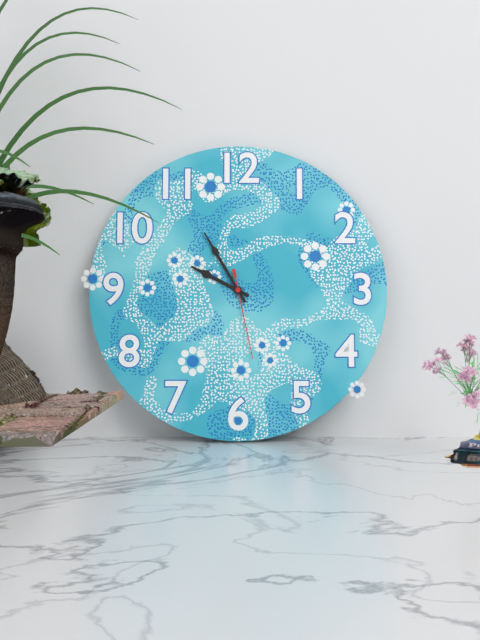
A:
h=9 m=55 s=28
